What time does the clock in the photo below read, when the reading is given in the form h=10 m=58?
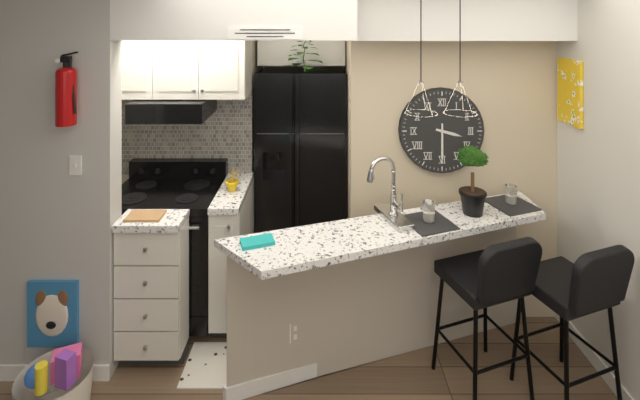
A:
h=3 m=30
